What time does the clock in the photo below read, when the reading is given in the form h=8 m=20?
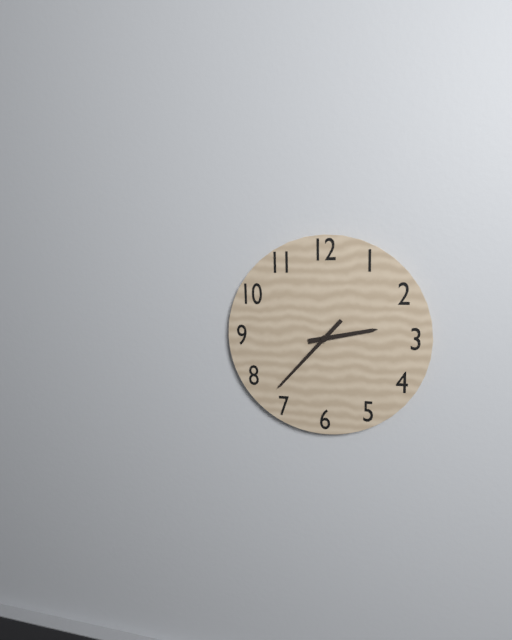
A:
h=2 m=37
